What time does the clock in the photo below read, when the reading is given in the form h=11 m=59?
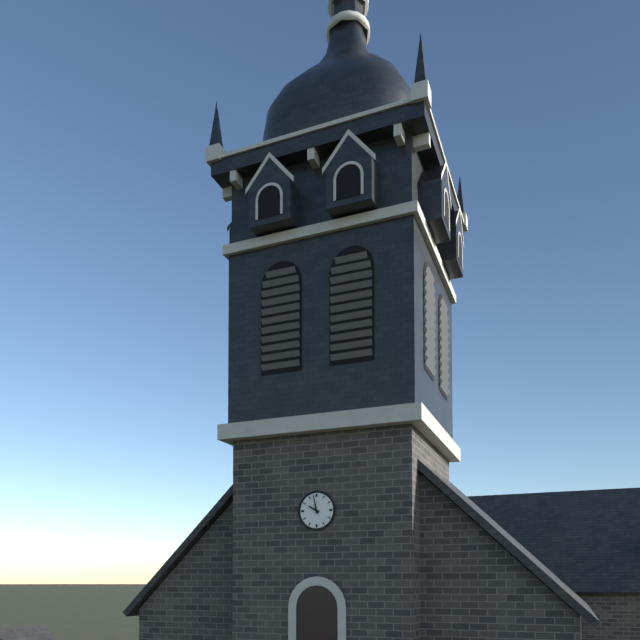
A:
h=9 m=58
